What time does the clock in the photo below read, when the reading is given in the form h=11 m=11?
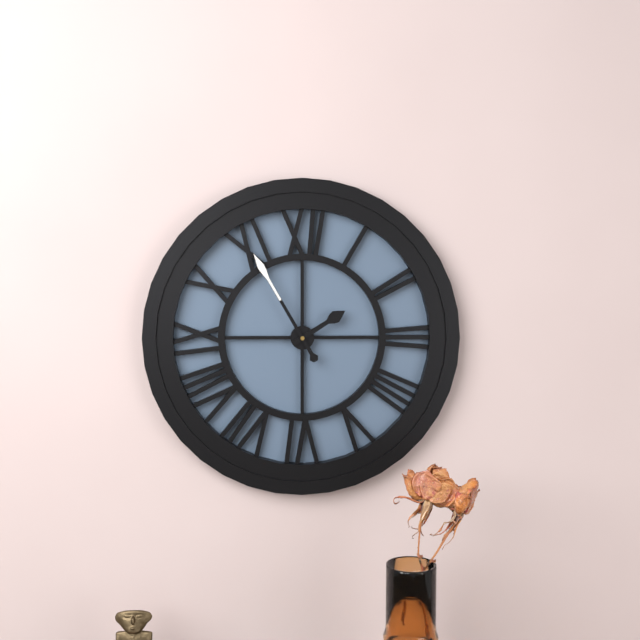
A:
h=1 m=55
